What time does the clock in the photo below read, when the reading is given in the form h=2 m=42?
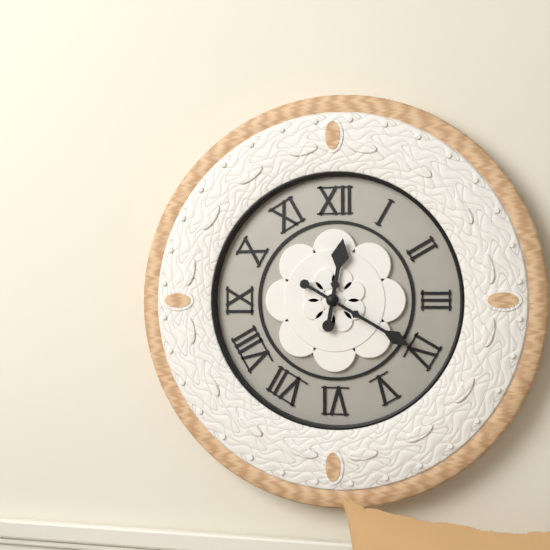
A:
h=12 m=20
